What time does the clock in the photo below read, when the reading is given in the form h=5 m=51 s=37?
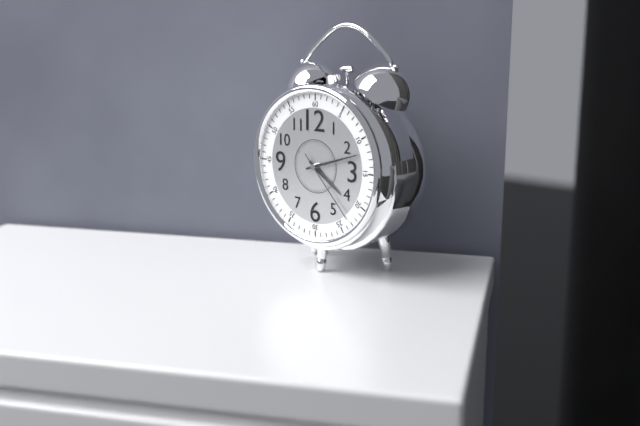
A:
h=4 m=12 s=23
